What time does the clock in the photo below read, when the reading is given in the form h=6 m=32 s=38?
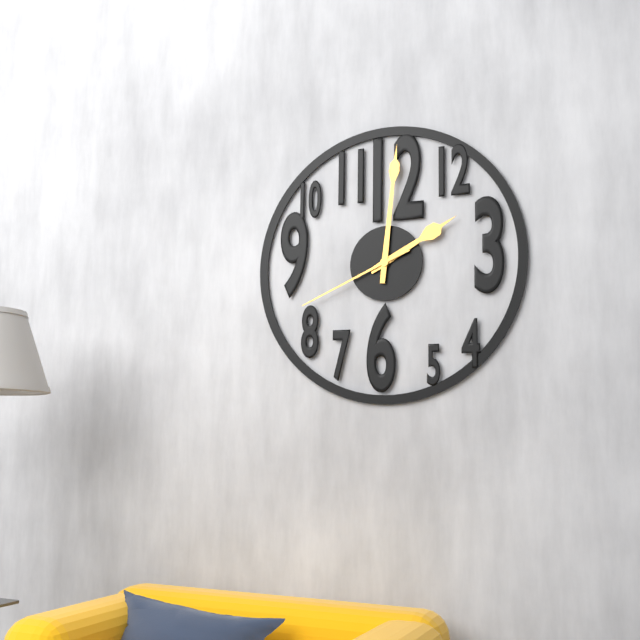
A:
h=2 m=1 s=41
